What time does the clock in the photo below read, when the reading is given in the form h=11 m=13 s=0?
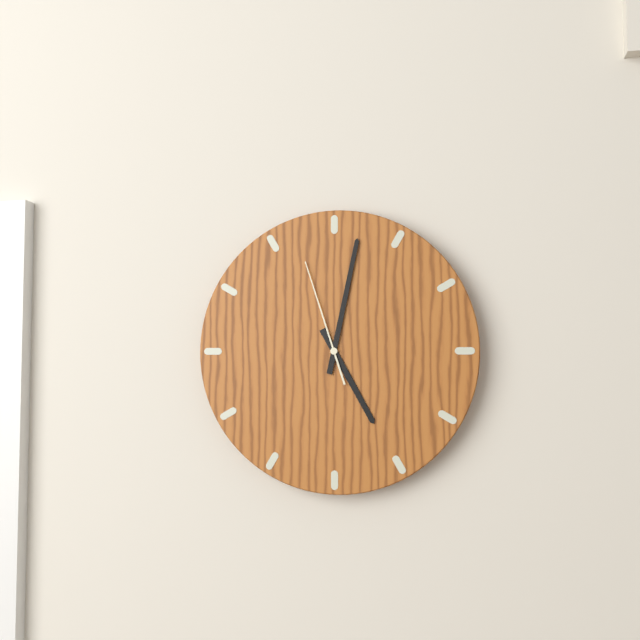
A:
h=5 m=2 s=57
